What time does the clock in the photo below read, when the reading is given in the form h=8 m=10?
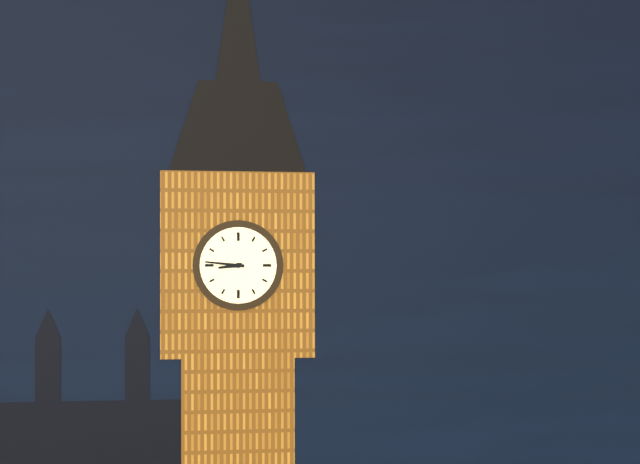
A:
h=8 m=46
